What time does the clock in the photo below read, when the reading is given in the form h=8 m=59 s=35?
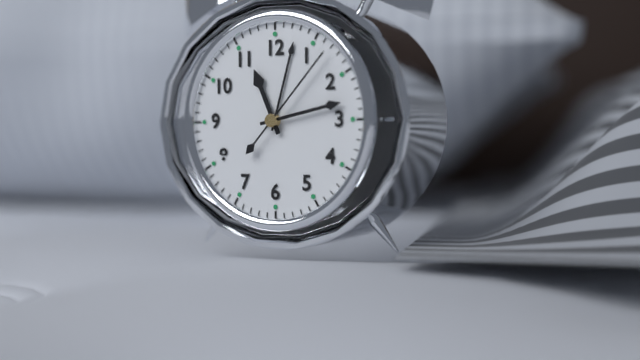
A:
h=11 m=13 s=7
